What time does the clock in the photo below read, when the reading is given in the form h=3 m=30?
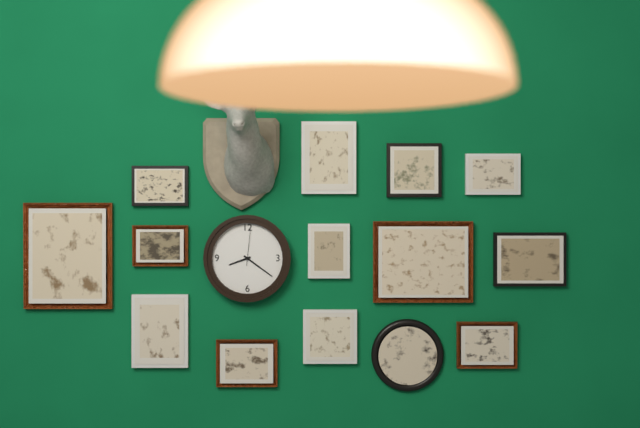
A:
h=8 m=21
